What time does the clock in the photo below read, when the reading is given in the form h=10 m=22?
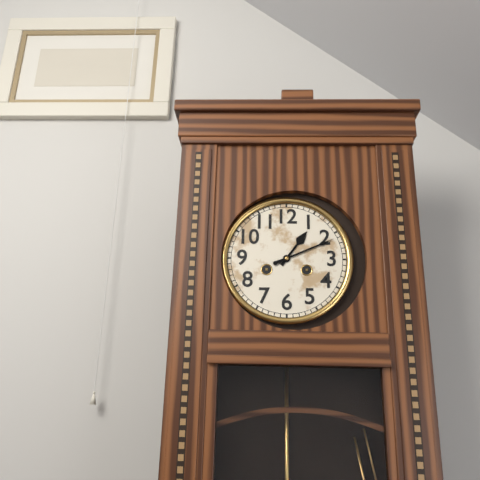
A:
h=1 m=11
